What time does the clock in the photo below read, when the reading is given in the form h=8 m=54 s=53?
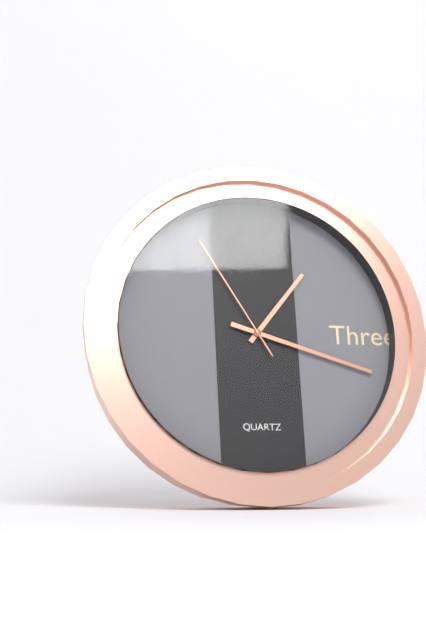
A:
h=1 m=18 s=55
